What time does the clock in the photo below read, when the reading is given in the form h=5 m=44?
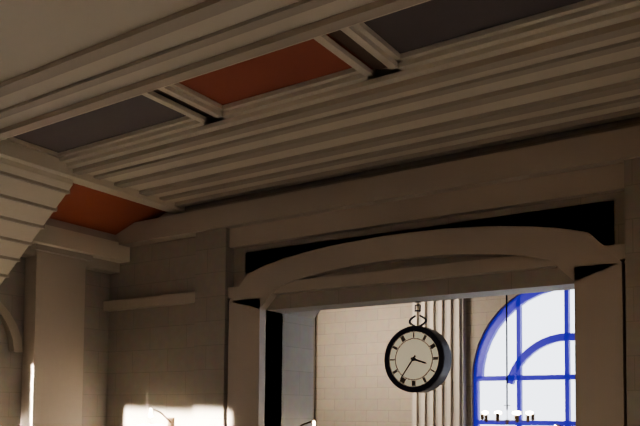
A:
h=3 m=36
